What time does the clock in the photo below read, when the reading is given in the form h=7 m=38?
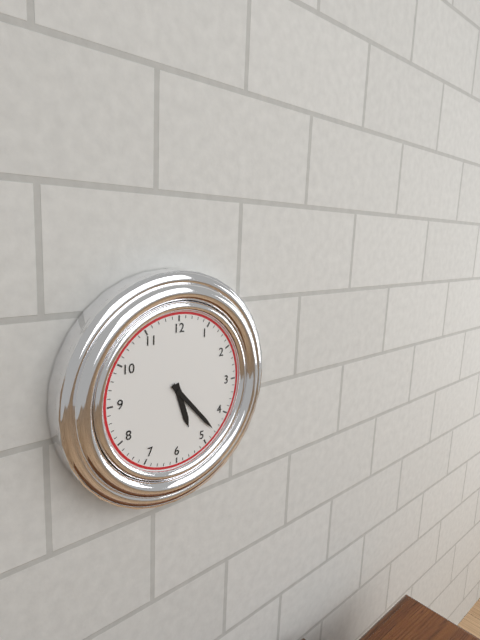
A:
h=5 m=23
